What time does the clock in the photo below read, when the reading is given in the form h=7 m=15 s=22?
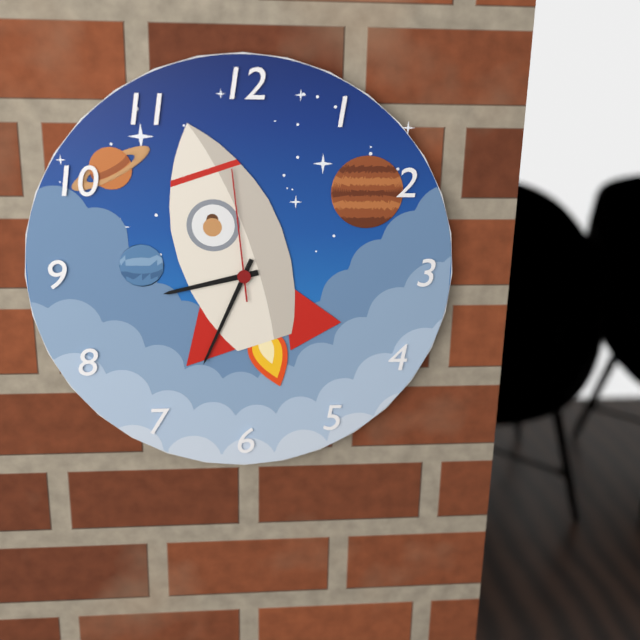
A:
h=8 m=34 s=59
